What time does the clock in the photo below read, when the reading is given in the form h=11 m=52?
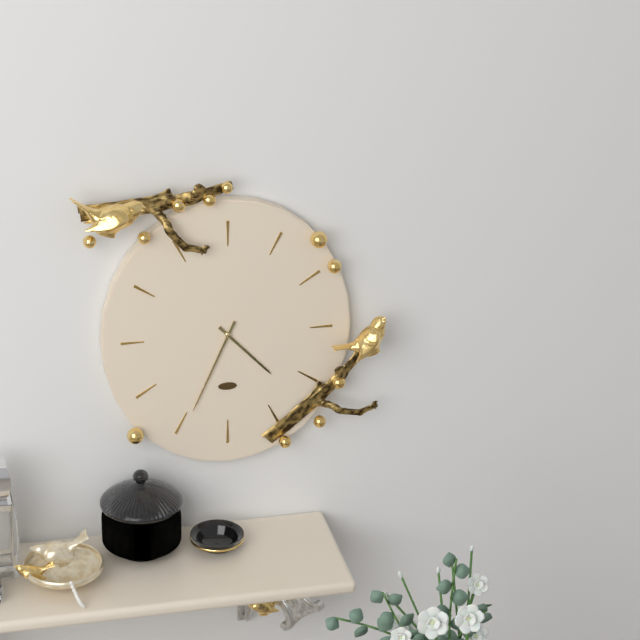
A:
h=4 m=34
